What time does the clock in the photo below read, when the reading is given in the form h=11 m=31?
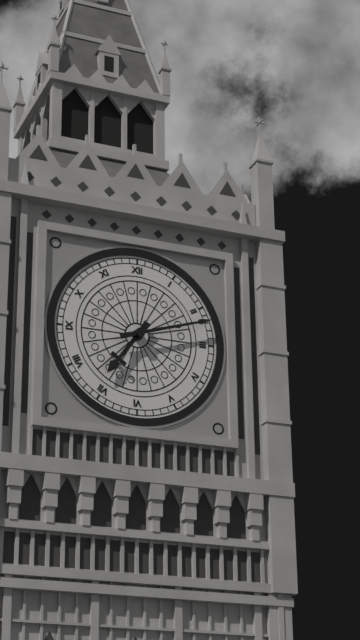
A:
h=7 m=12
